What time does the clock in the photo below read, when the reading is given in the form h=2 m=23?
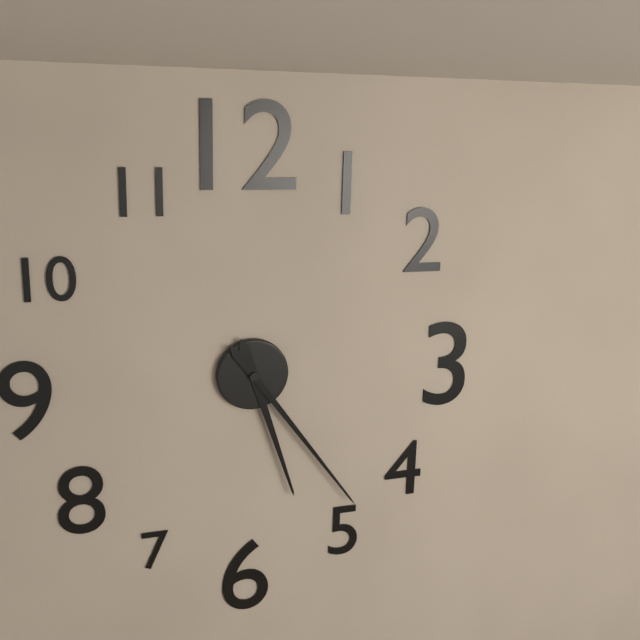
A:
h=5 m=24
